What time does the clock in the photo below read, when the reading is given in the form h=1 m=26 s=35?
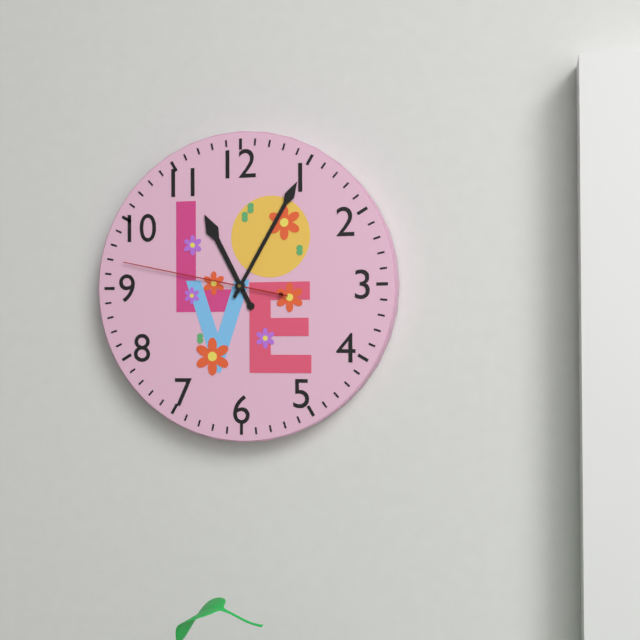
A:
h=11 m=5 s=47
